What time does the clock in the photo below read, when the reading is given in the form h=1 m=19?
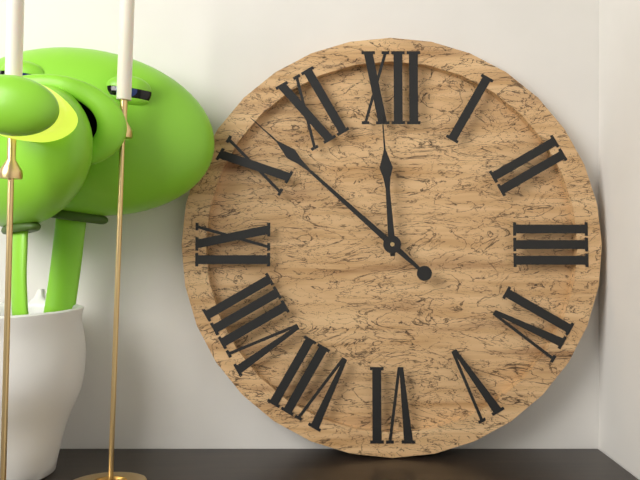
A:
h=11 m=52
